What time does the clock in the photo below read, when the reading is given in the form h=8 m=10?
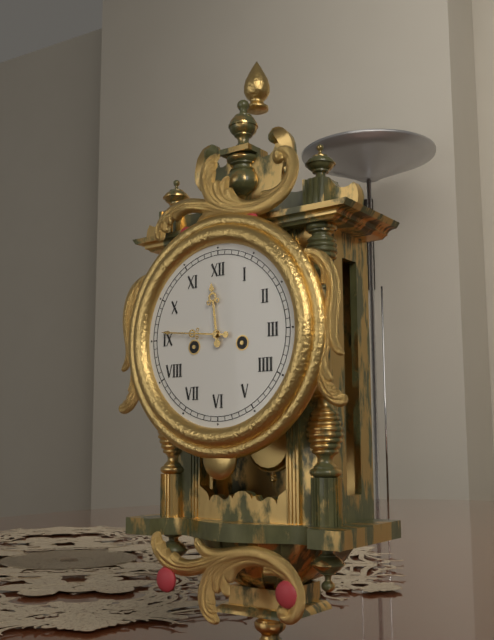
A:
h=11 m=46
